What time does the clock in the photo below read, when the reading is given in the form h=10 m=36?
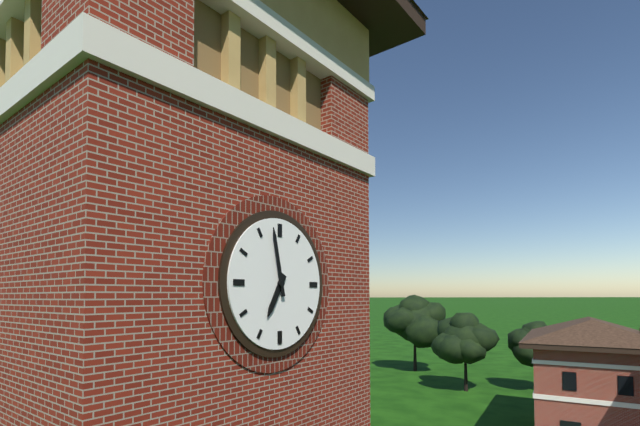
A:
h=6 m=58
